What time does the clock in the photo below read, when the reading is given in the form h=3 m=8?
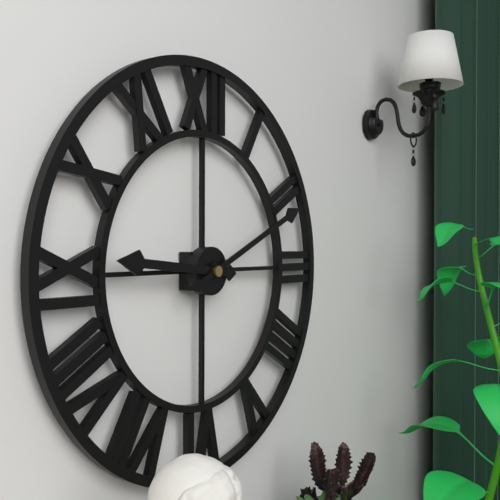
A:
h=9 m=11
